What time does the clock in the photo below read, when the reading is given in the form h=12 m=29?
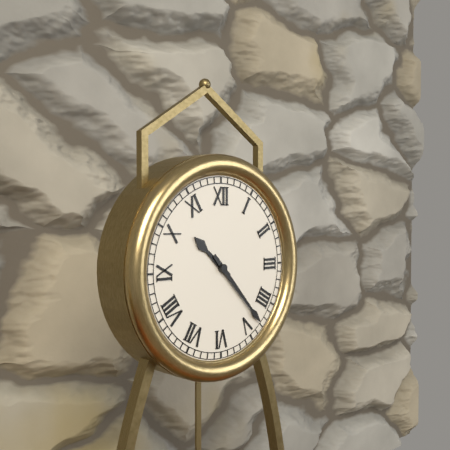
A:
h=10 m=23
